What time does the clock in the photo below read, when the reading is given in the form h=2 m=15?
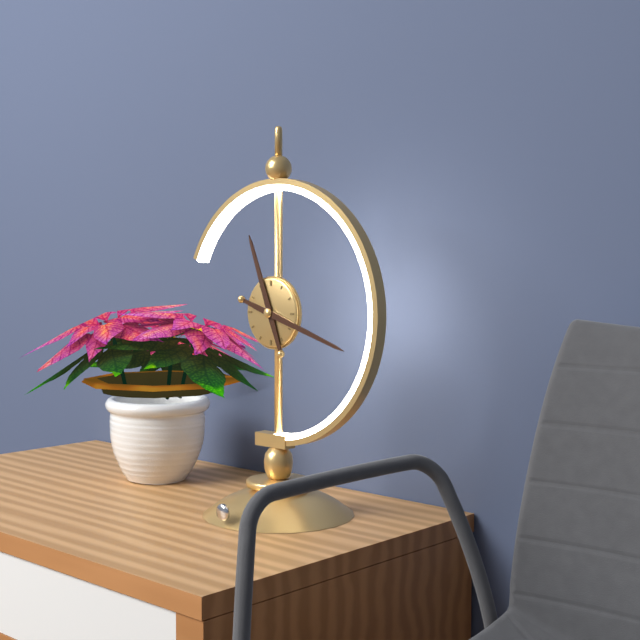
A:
h=11 m=18
